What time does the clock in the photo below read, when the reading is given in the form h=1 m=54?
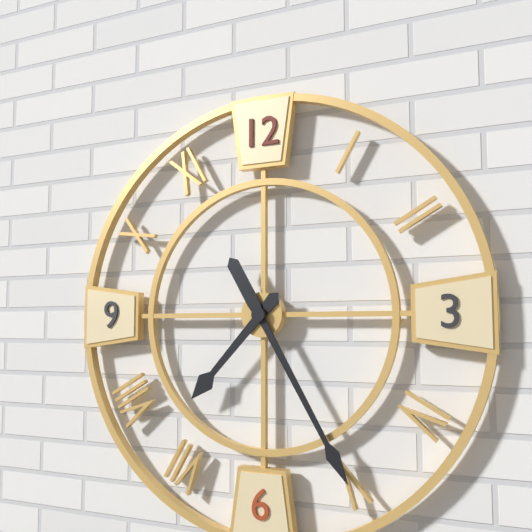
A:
h=7 m=25
